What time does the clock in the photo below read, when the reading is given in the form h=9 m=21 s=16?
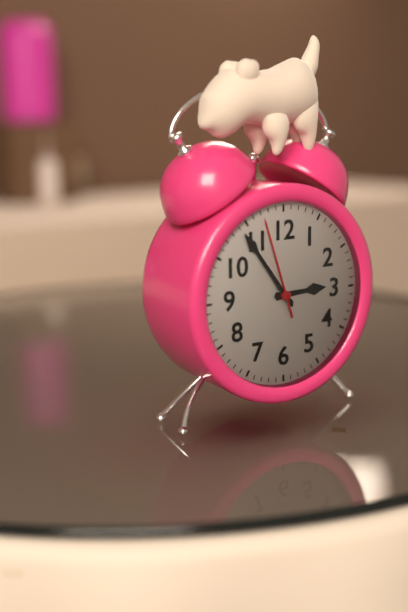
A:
h=2 m=54 s=57
